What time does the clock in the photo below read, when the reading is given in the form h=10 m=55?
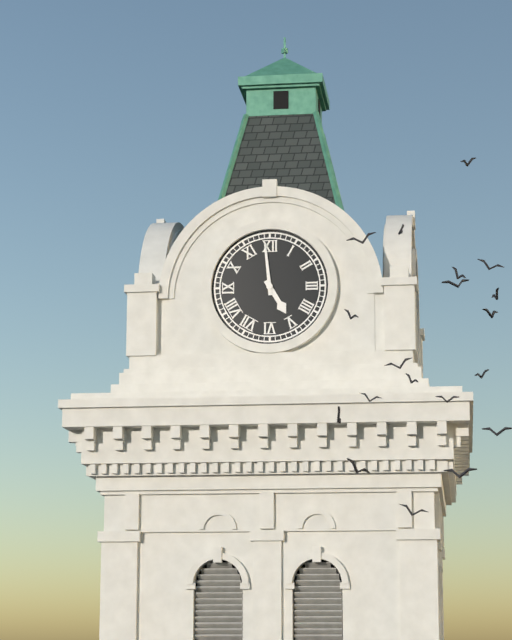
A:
h=4 m=59
